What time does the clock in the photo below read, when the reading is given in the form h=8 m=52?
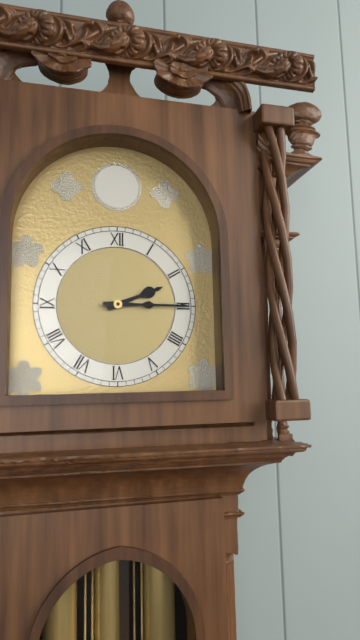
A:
h=2 m=15
